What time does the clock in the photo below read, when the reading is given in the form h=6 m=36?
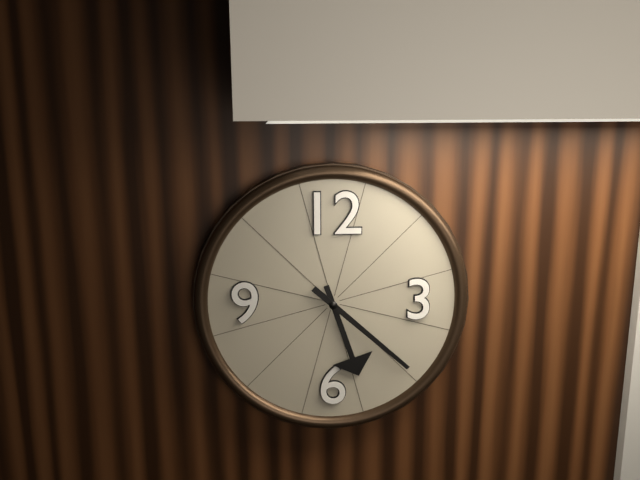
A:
h=5 m=22
